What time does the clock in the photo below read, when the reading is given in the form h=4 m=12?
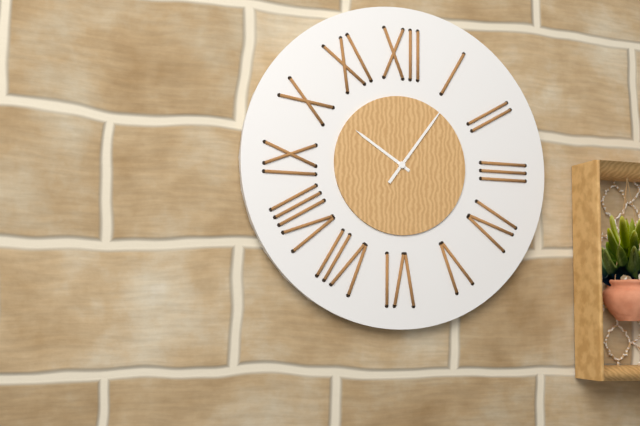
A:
h=10 m=6
